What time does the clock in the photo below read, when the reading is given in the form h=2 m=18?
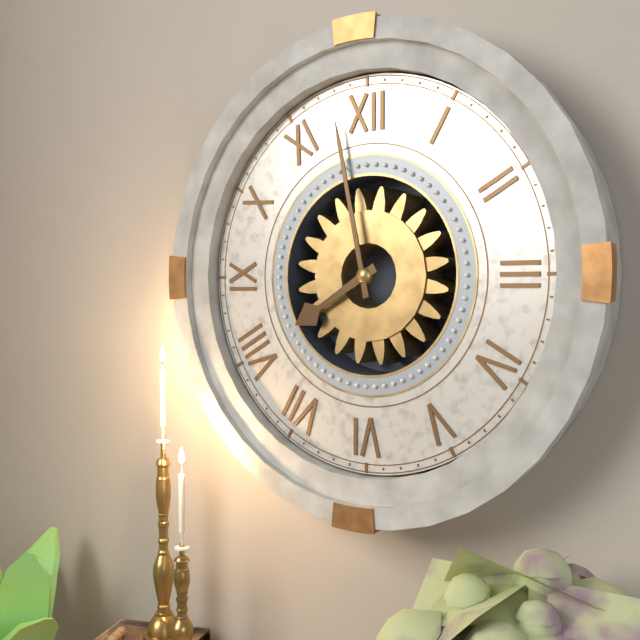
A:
h=7 m=58
